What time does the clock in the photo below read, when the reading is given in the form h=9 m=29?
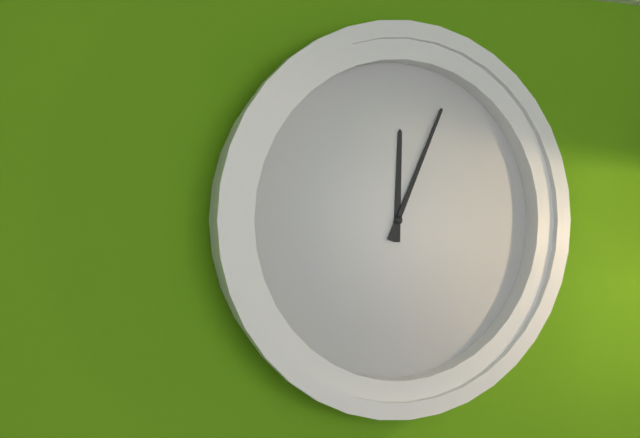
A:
h=12 m=4
